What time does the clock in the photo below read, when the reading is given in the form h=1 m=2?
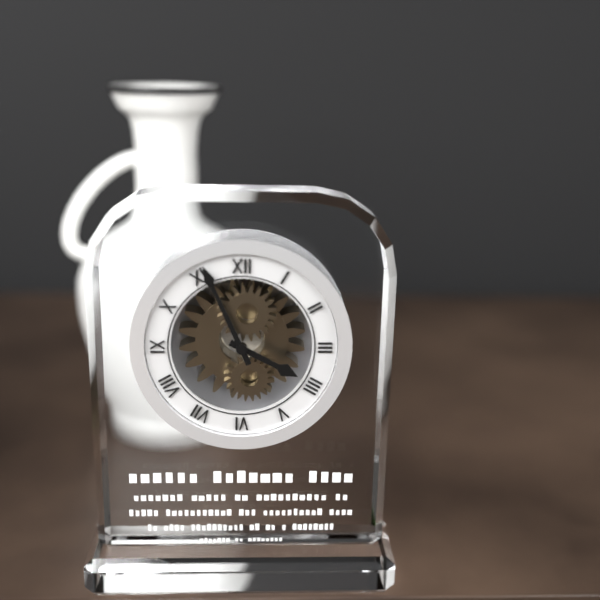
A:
h=3 m=56
